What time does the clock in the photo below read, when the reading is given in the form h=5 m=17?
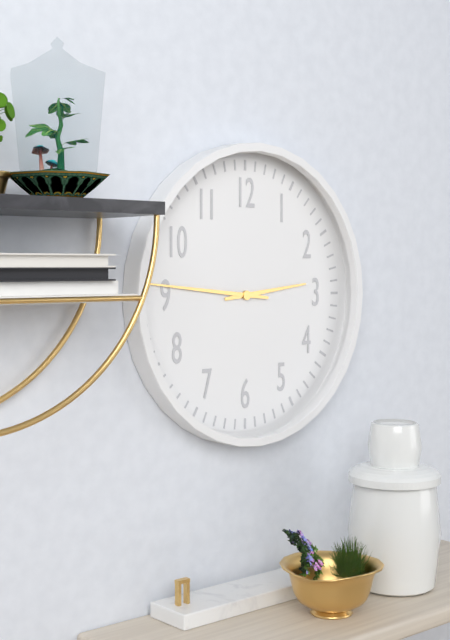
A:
h=2 m=46
